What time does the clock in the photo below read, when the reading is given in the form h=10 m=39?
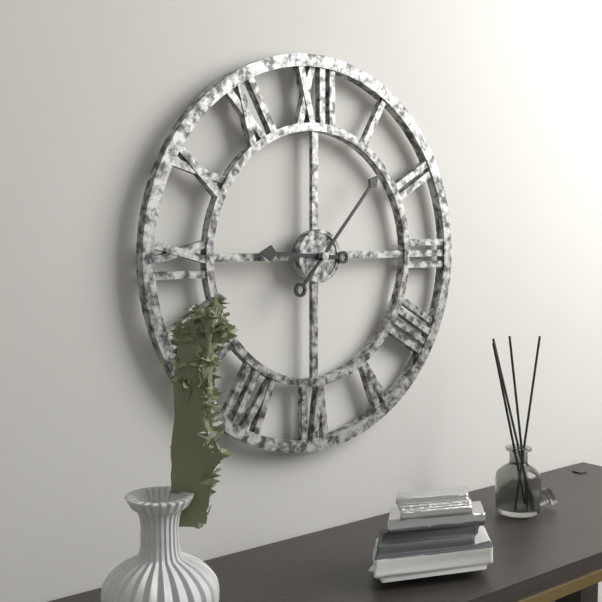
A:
h=9 m=7
